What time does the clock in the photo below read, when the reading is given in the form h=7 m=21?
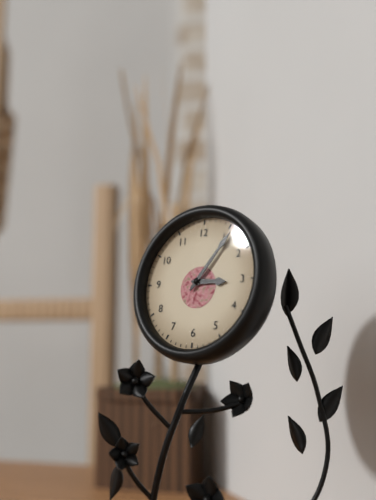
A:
h=3 m=6
